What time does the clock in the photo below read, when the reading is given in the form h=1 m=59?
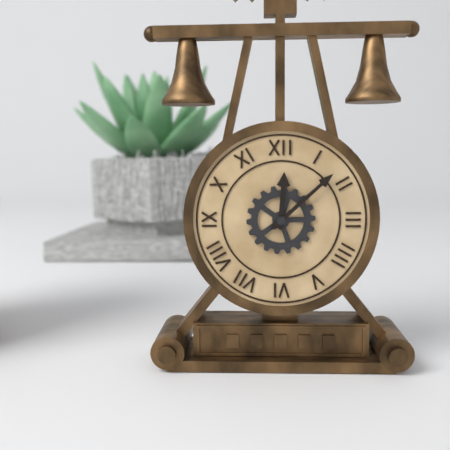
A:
h=12 m=8
